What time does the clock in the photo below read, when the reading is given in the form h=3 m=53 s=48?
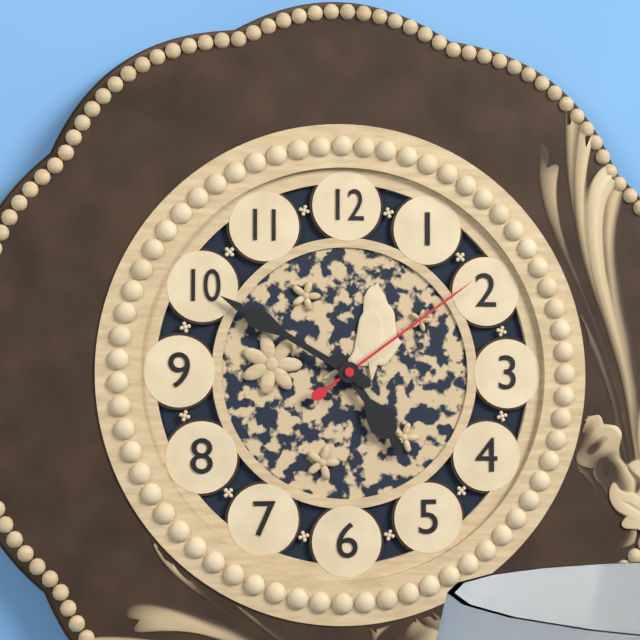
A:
h=4 m=50 s=9
